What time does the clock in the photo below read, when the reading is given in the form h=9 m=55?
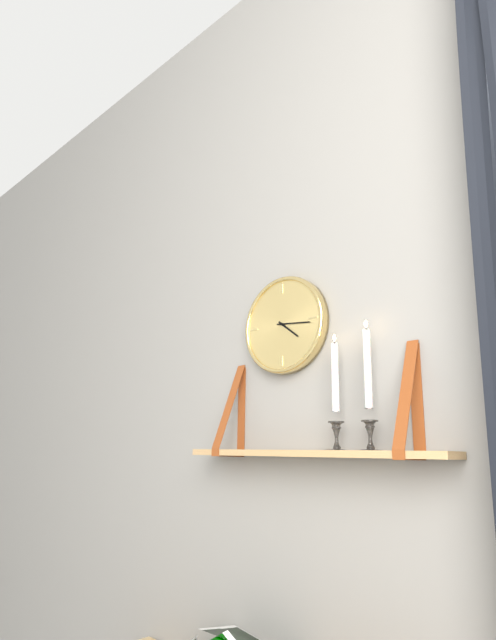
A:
h=4 m=16
